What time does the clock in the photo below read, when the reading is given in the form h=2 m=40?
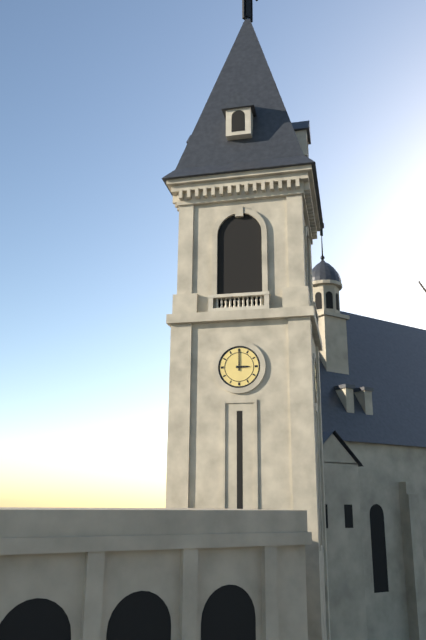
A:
h=3 m=0
